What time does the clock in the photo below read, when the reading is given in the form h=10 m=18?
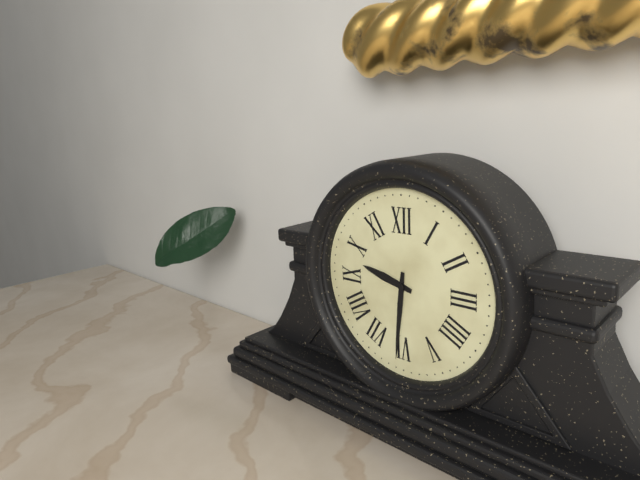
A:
h=9 m=31
